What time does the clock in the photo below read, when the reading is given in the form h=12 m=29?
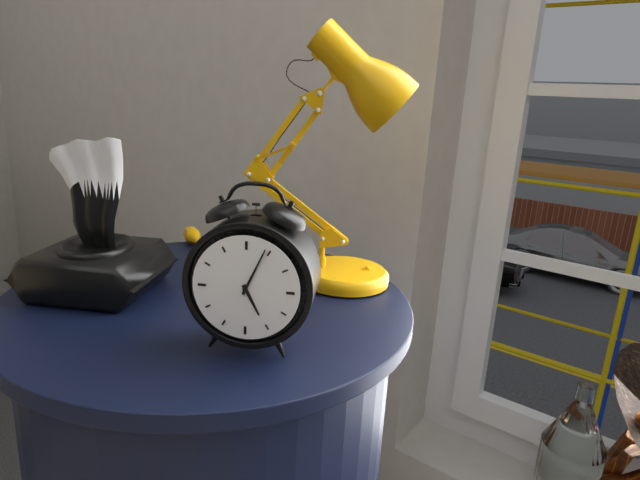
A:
h=5 m=4
